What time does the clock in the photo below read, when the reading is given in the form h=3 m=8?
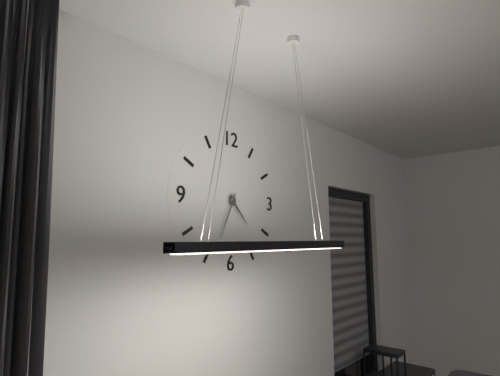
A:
h=4 m=34
